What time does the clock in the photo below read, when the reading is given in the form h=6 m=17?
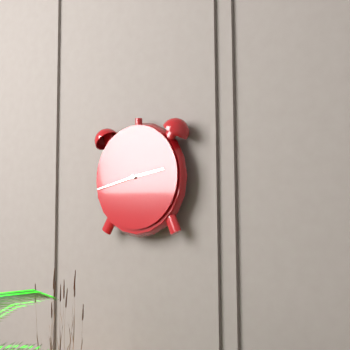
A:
h=2 m=43
